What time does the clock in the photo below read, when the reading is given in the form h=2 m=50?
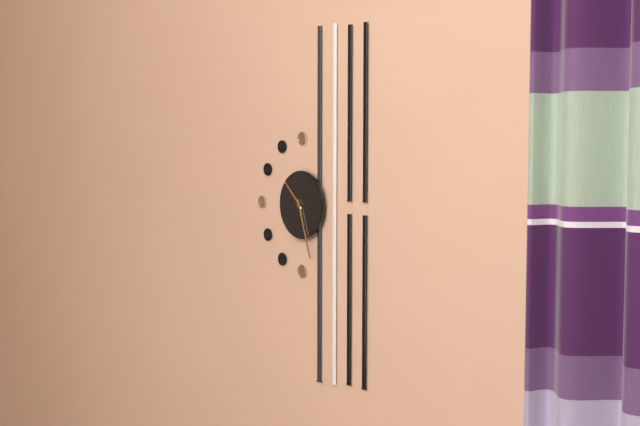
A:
h=10 m=27
